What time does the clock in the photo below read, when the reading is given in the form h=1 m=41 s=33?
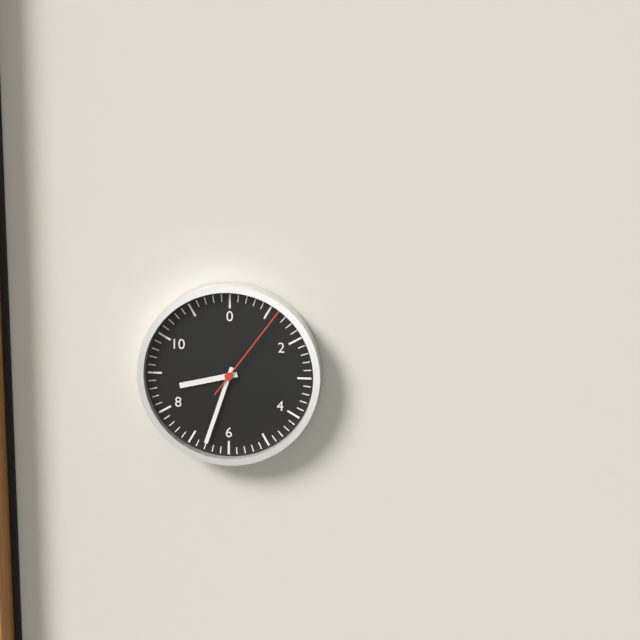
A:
h=8 m=33 s=6
